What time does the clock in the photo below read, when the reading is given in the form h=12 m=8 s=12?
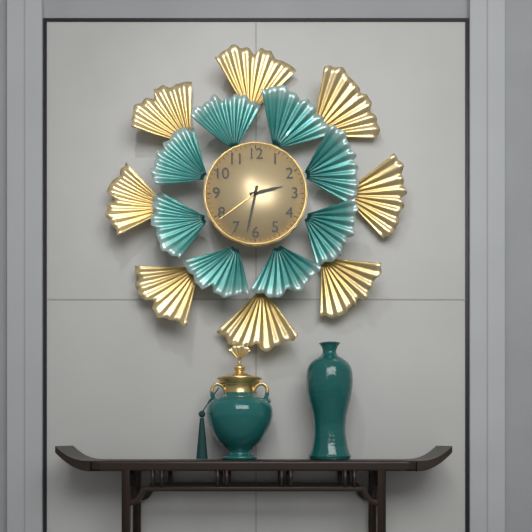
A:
h=2 m=32 s=39
